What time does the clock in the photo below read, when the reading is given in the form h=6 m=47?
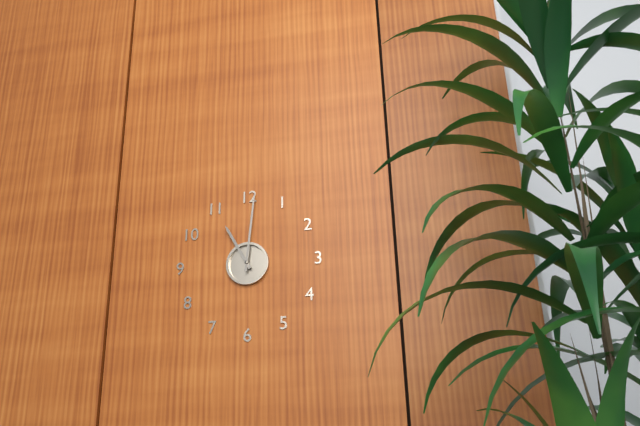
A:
h=11 m=1
